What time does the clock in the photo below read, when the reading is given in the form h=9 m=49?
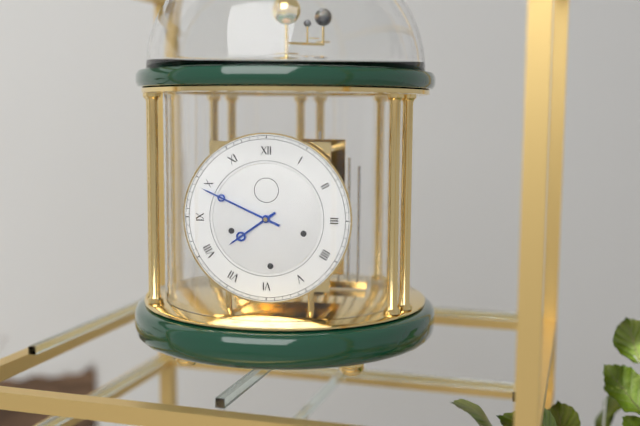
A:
h=7 m=49
